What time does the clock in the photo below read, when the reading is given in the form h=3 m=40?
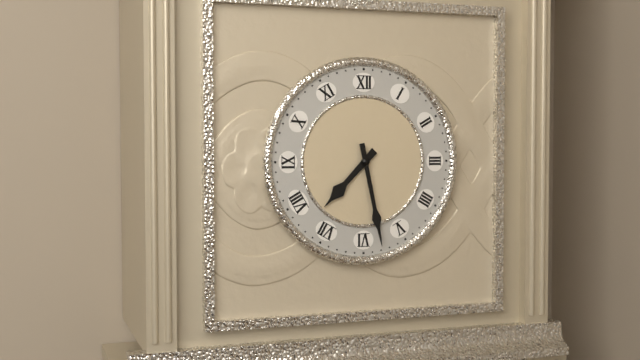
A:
h=7 m=28
